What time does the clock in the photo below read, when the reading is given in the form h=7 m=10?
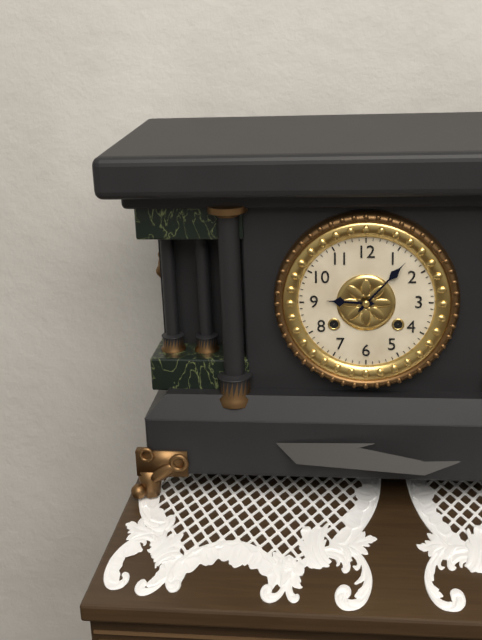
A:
h=9 m=7
